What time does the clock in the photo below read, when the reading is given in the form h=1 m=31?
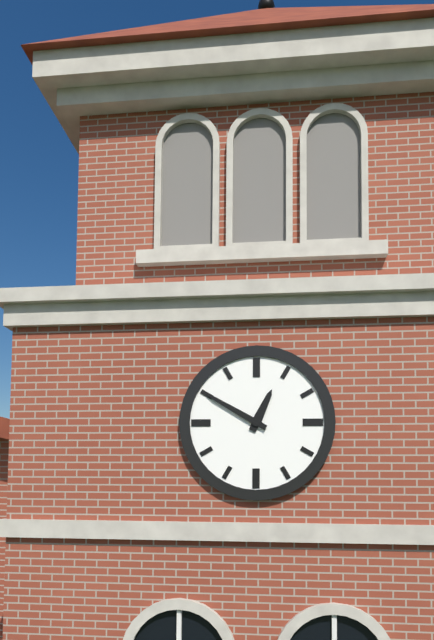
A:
h=12 m=50
